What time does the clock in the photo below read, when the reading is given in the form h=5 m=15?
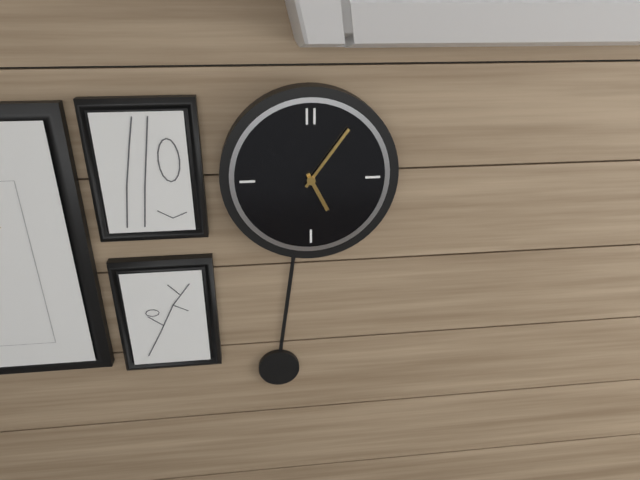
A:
h=5 m=6
